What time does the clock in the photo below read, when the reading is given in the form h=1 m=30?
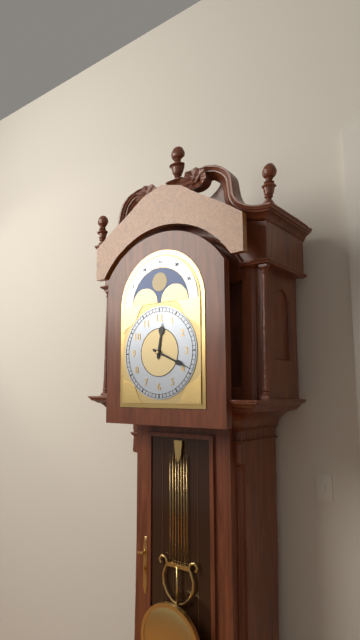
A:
h=12 m=19
